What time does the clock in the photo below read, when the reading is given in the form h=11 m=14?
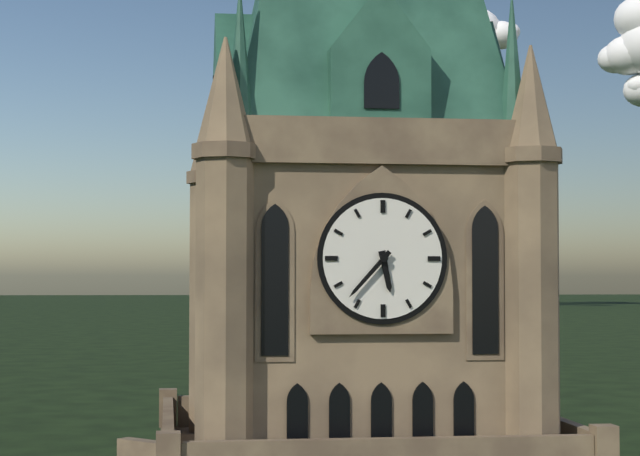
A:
h=5 m=37
